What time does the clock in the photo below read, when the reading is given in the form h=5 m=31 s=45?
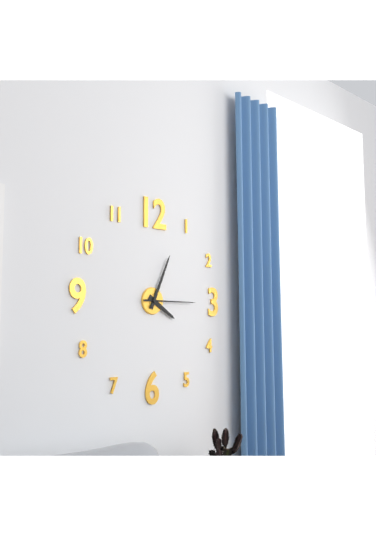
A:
h=4 m=4 s=15
